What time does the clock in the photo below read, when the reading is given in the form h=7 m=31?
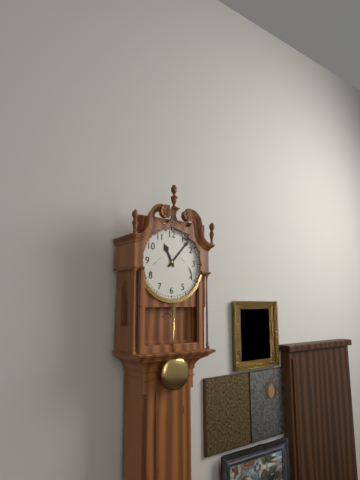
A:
h=11 m=7
